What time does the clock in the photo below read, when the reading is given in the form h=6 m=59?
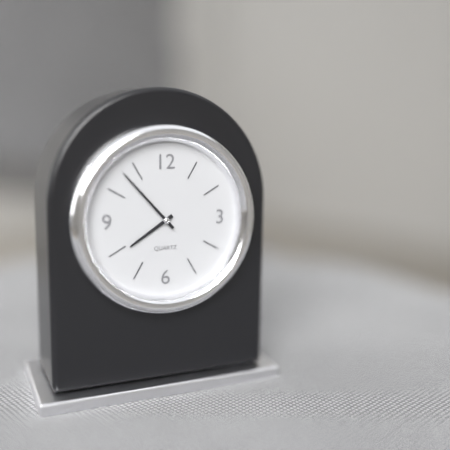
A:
h=7 m=53
